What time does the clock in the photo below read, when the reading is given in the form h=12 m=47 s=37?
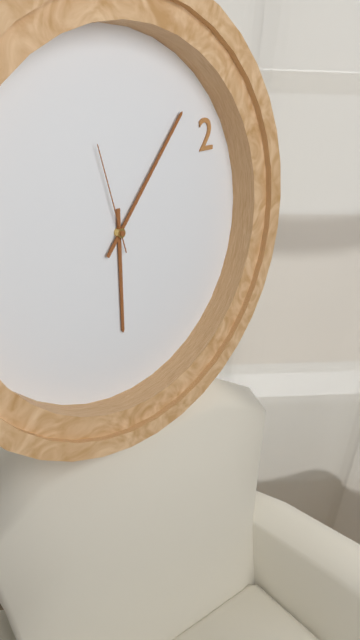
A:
h=6 m=7 s=58
